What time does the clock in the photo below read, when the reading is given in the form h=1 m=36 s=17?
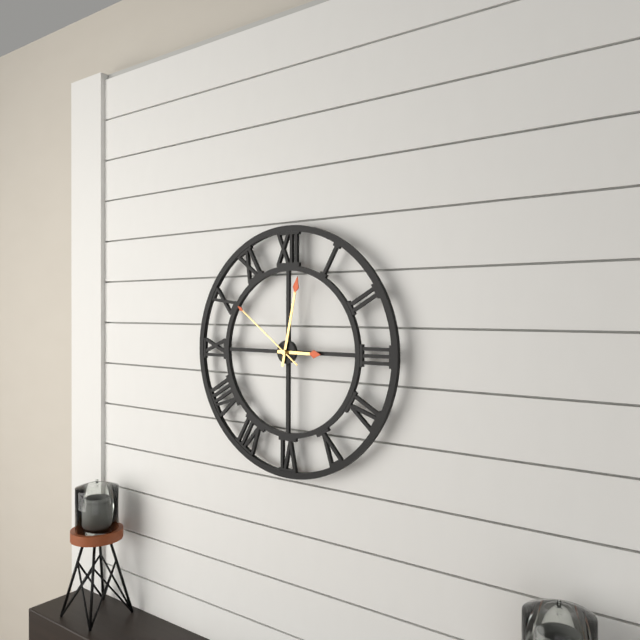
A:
h=3 m=2 s=51
